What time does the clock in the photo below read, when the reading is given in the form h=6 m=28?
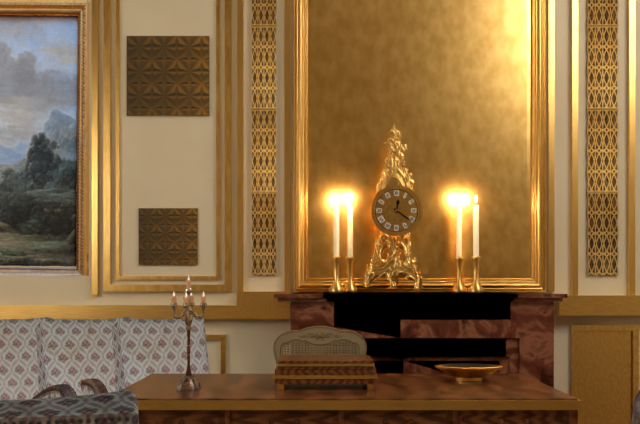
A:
h=12 m=21
